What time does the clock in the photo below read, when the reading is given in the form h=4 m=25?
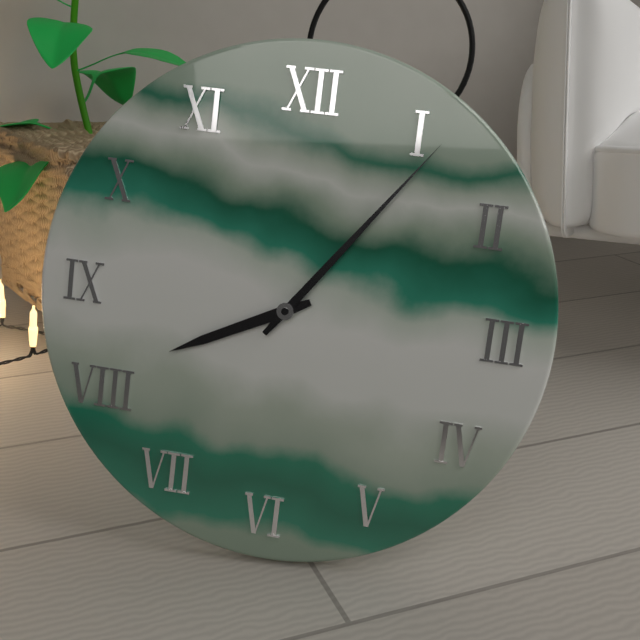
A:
h=8 m=6
